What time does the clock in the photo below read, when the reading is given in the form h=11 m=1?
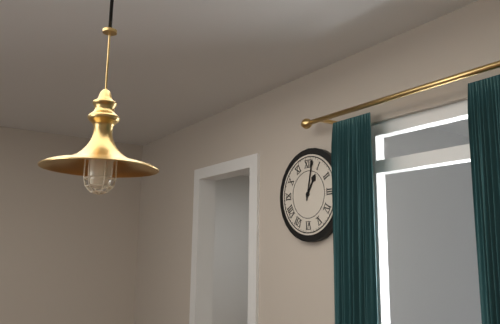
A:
h=1 m=2
